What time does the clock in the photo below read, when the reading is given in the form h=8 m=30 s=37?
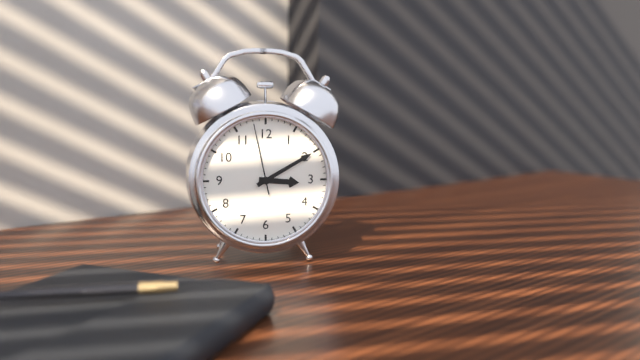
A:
h=3 m=10 s=58
